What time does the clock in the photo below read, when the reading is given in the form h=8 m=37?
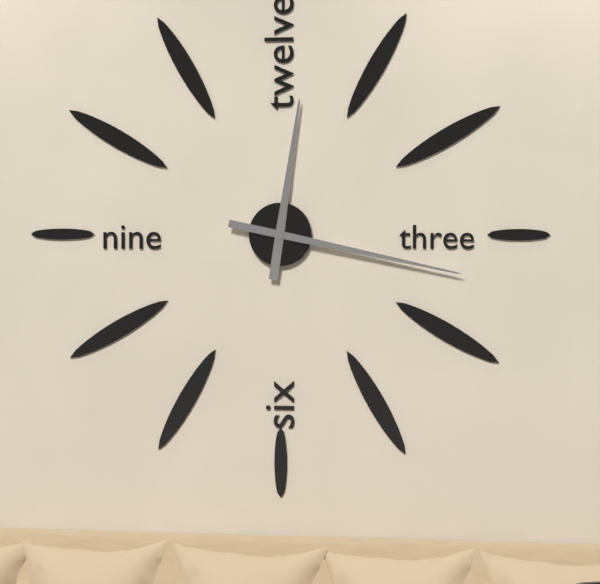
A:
h=12 m=17
